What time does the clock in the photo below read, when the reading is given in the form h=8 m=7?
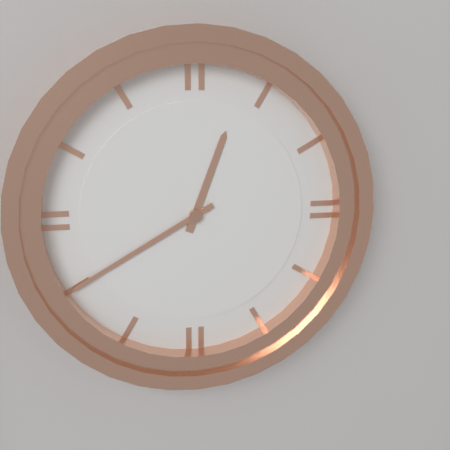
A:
h=12 m=40
